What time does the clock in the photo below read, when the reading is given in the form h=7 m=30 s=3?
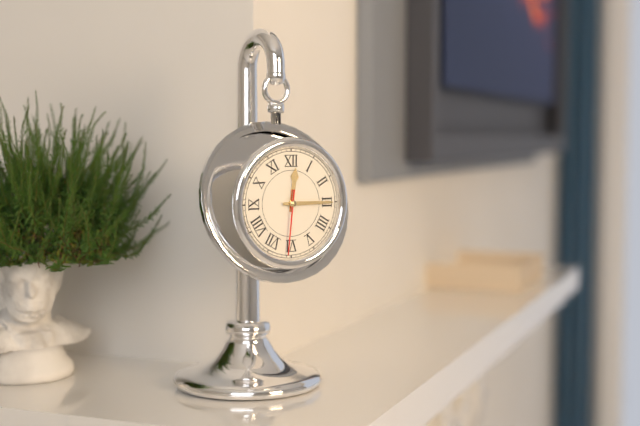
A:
h=12 m=15 s=31
